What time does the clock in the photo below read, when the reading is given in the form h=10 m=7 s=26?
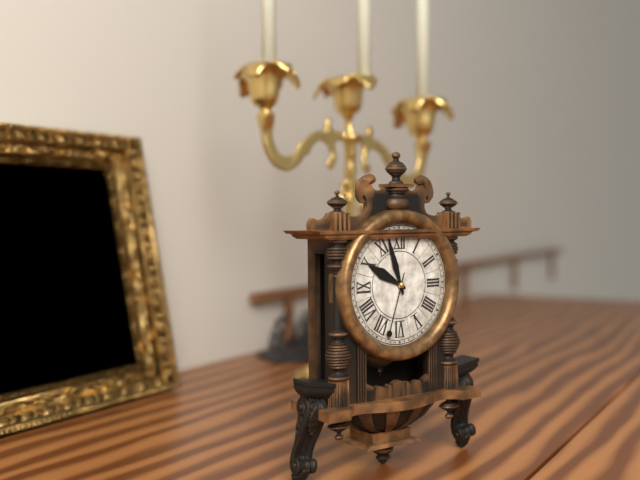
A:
h=9 m=57 s=33
